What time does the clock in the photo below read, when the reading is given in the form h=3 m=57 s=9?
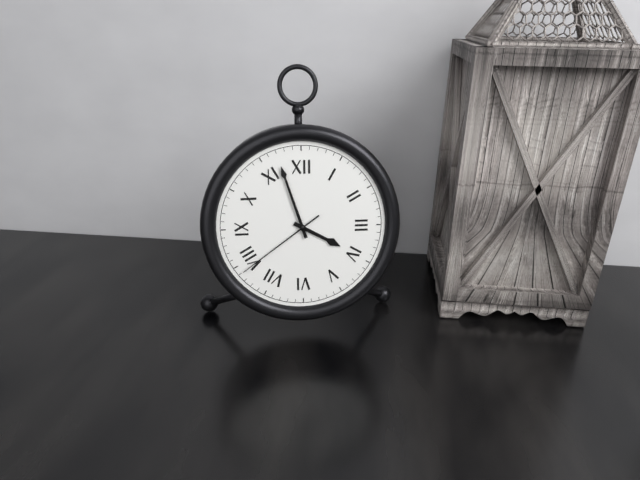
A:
h=3 m=57 s=39
